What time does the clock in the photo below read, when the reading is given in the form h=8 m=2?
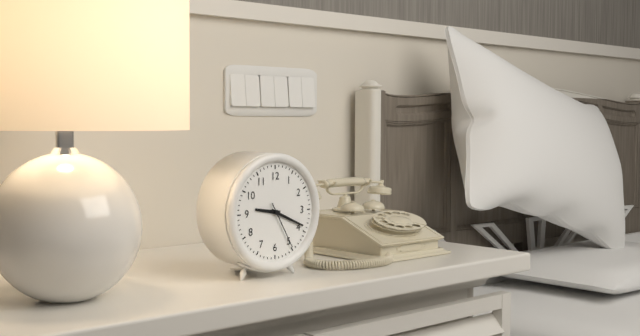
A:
h=9 m=19
